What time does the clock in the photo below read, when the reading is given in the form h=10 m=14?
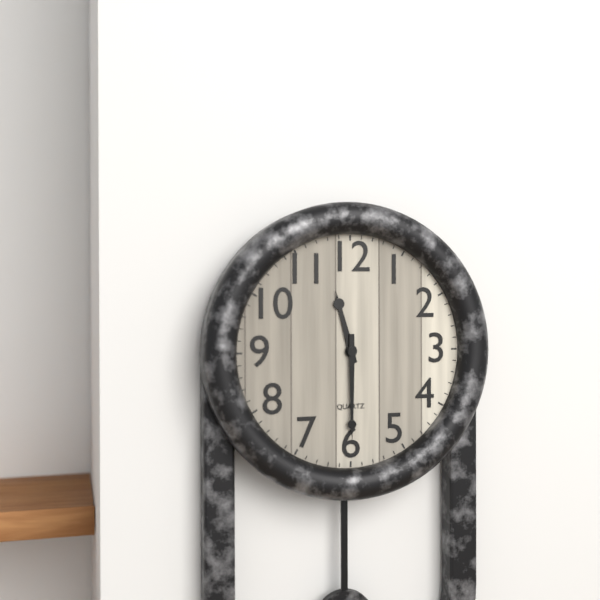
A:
h=11 m=30
